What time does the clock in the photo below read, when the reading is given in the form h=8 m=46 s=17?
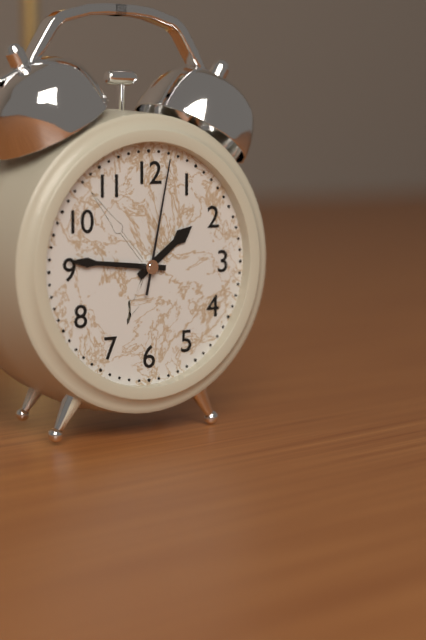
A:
h=1 m=46 s=2
